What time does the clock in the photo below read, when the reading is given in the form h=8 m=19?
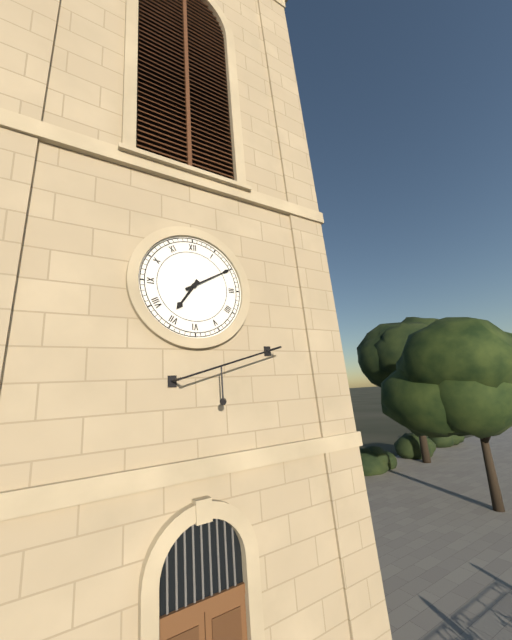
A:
h=7 m=10
